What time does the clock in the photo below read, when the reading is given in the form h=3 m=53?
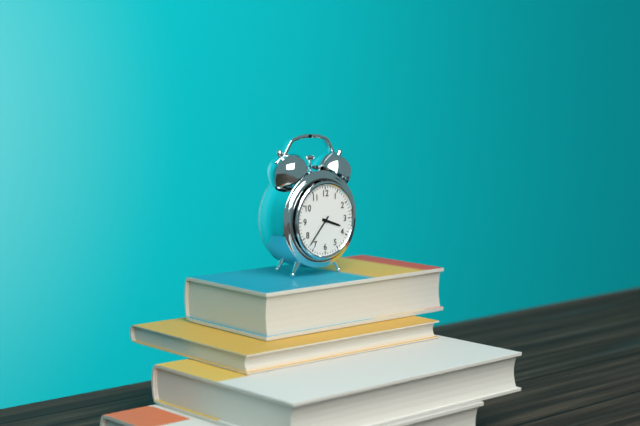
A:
h=3 m=37
